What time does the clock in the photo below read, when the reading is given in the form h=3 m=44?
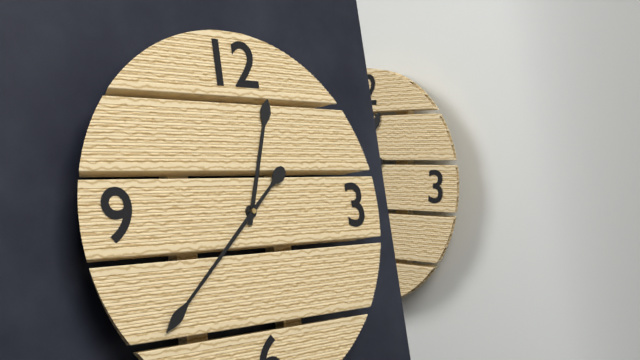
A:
h=12 m=38
